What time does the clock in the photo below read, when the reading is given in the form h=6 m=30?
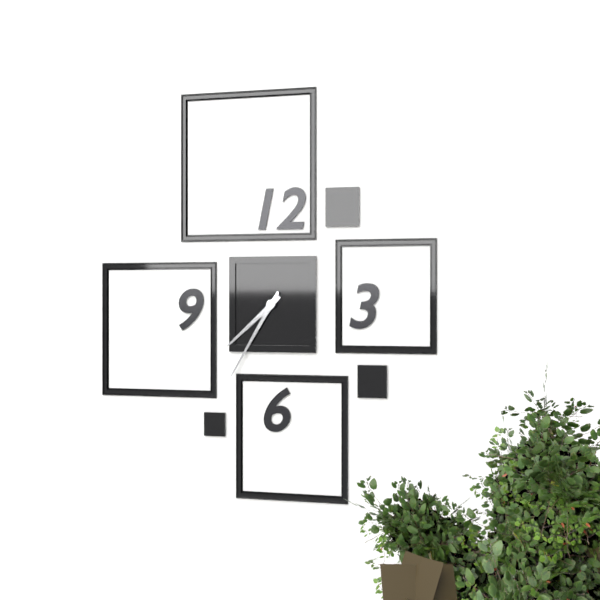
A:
h=7 m=35
